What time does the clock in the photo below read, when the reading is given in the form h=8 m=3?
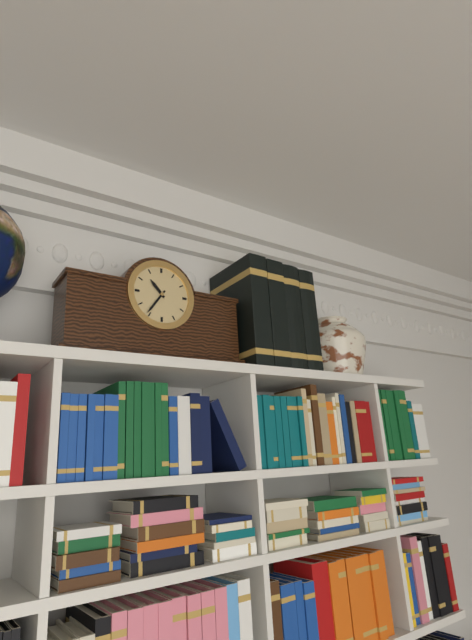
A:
h=10 m=36
